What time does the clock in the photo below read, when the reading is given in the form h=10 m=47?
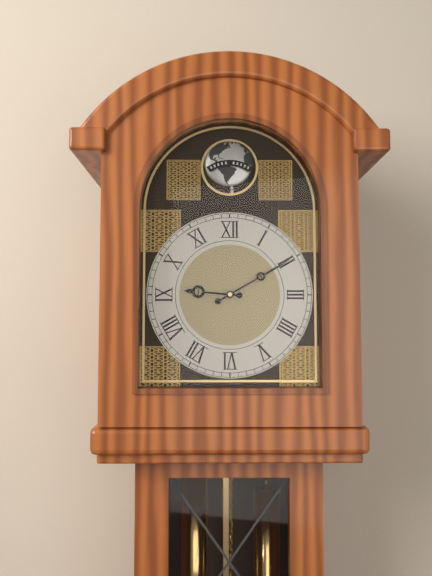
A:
h=9 m=10
